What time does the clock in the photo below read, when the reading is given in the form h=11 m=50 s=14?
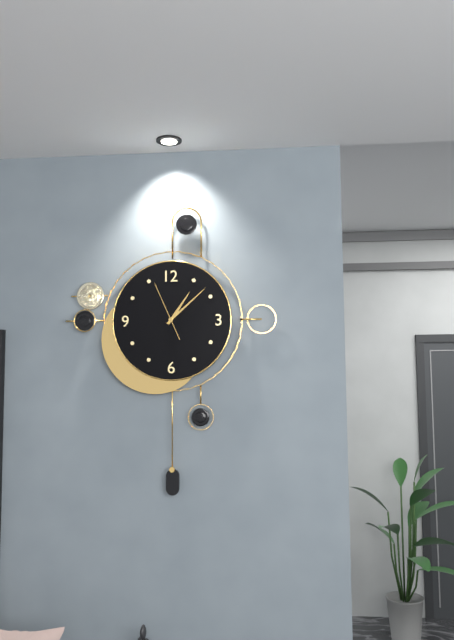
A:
h=1 m=8 s=56
